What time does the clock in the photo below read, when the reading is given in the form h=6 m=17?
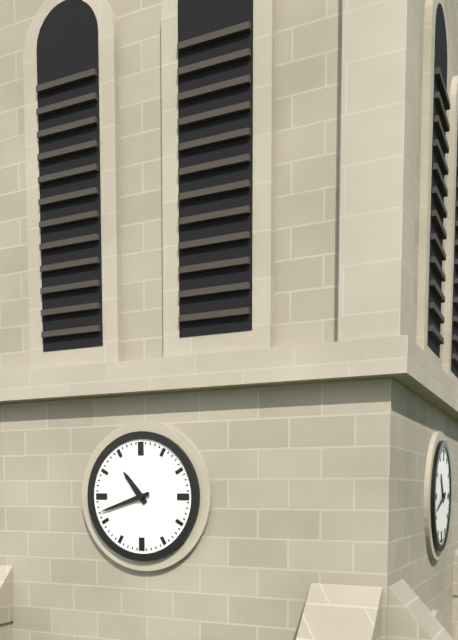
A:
h=10 m=42
